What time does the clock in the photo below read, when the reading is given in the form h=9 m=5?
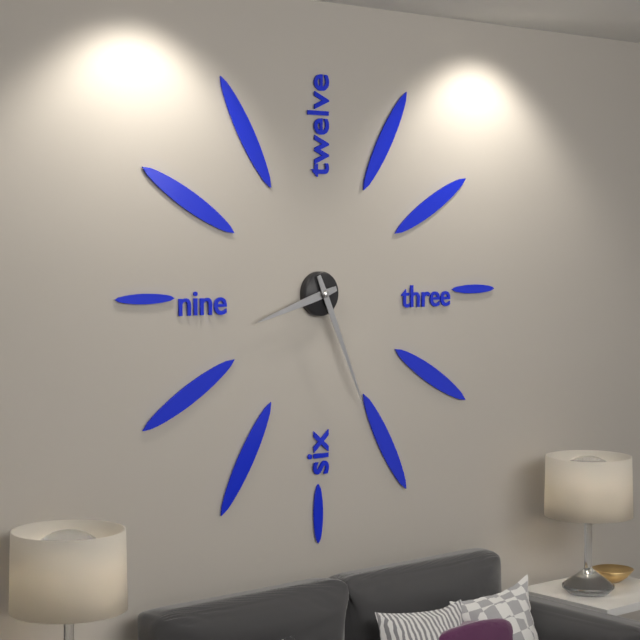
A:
h=8 m=26
